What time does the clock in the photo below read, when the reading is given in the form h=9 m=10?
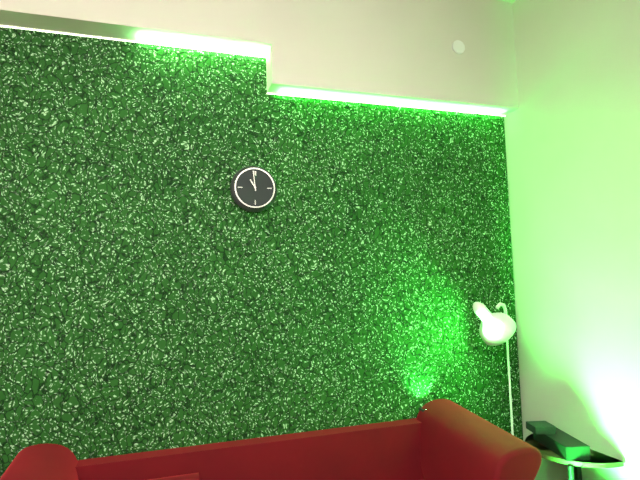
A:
h=10 m=59
